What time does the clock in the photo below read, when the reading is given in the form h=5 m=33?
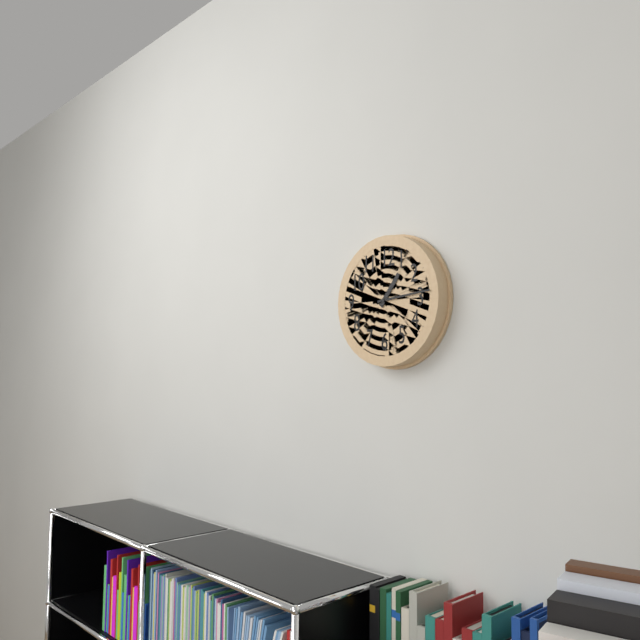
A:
h=1 m=14
